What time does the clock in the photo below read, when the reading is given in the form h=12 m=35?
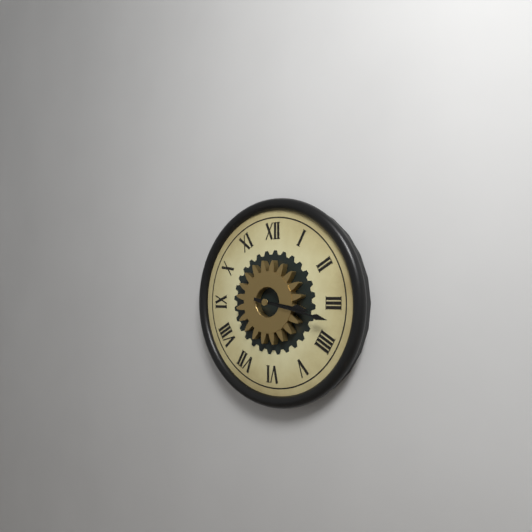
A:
h=3 m=17
